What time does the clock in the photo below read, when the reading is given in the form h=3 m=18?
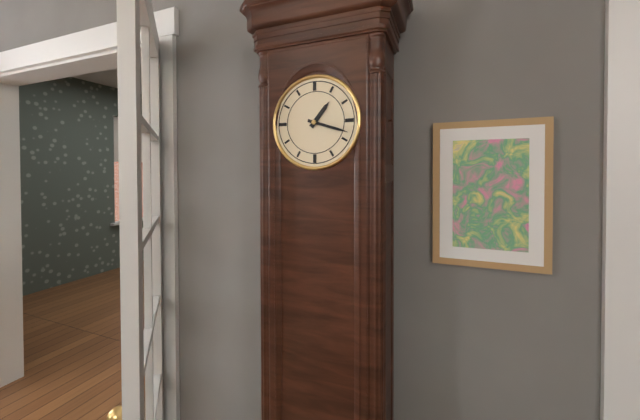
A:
h=1 m=18
